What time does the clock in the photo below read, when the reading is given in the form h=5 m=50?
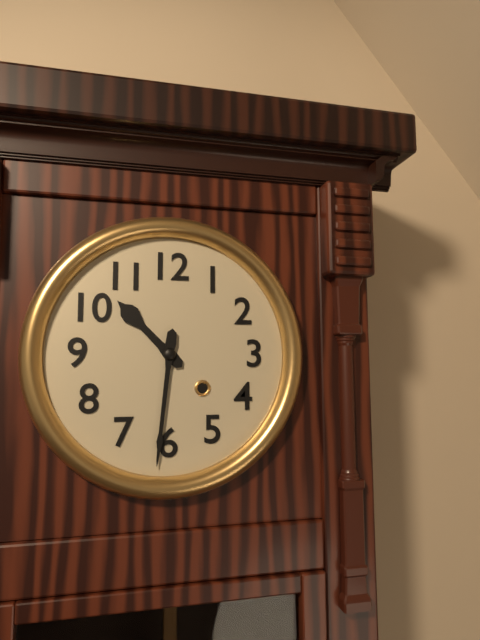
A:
h=10 m=31
